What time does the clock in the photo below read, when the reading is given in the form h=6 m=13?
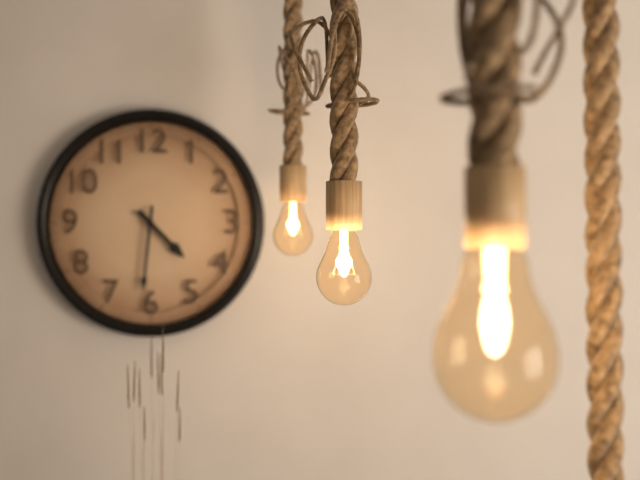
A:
h=4 m=31
